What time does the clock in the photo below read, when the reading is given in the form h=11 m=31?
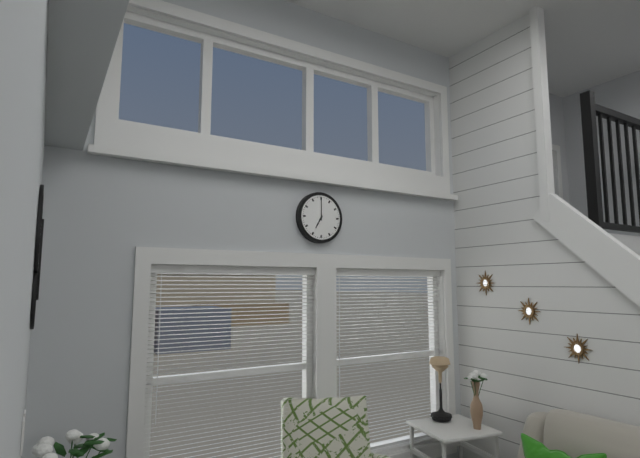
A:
h=7 m=0
